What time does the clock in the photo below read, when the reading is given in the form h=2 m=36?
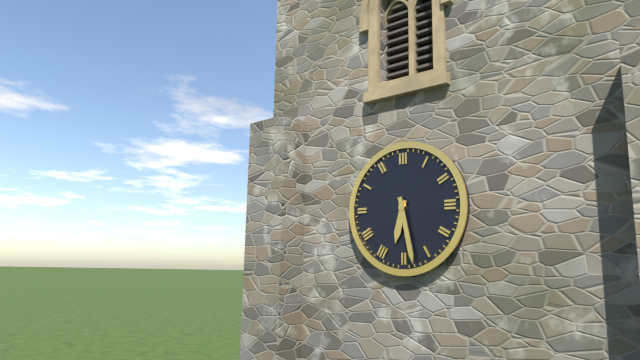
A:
h=6 m=28
